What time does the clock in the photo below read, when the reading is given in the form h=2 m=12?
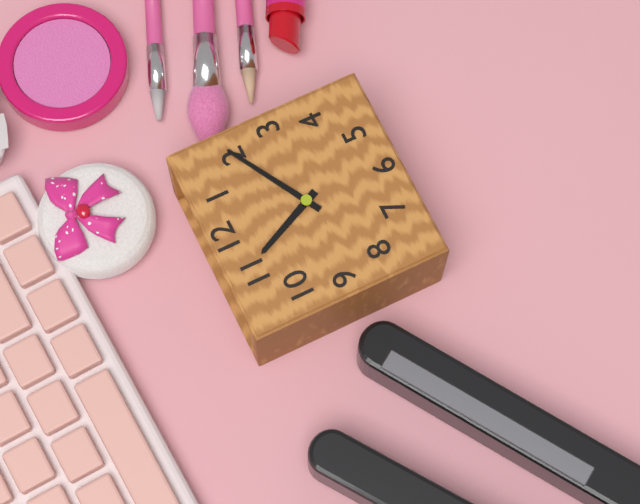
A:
h=11 m=10
